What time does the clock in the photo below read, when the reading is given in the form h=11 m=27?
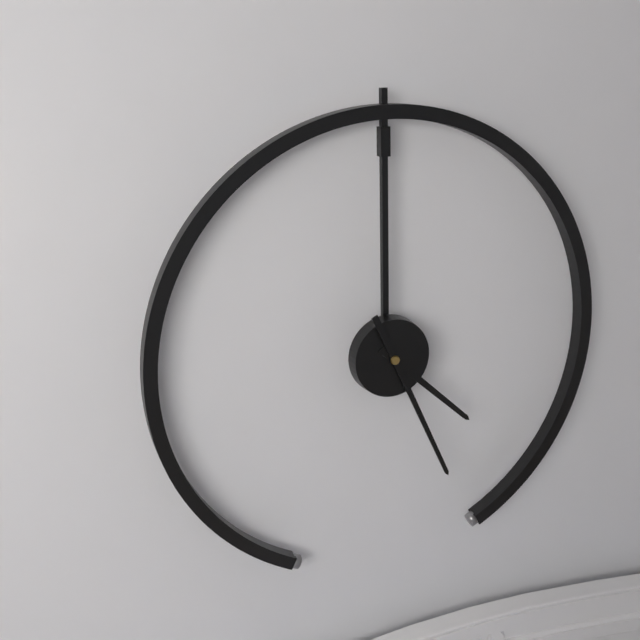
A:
h=4 m=26
